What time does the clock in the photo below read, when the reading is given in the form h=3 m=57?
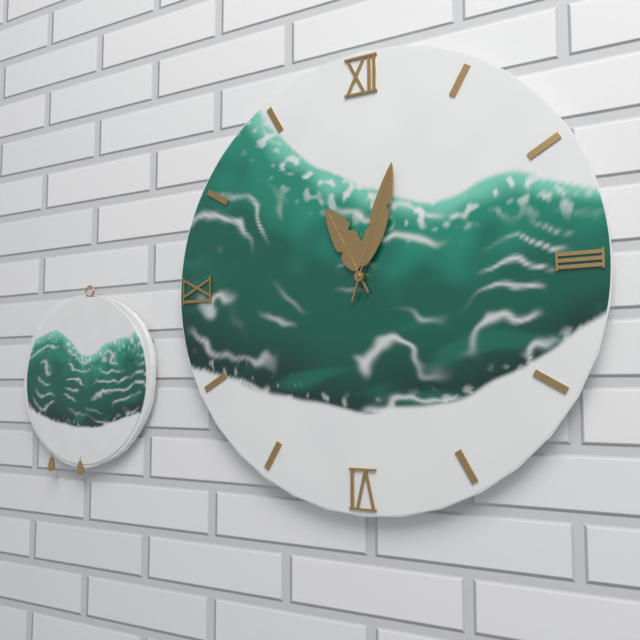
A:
h=11 m=3
